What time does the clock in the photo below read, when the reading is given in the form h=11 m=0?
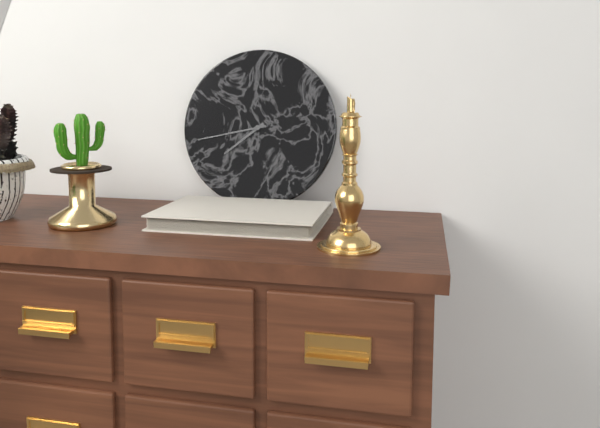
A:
h=7 m=43
